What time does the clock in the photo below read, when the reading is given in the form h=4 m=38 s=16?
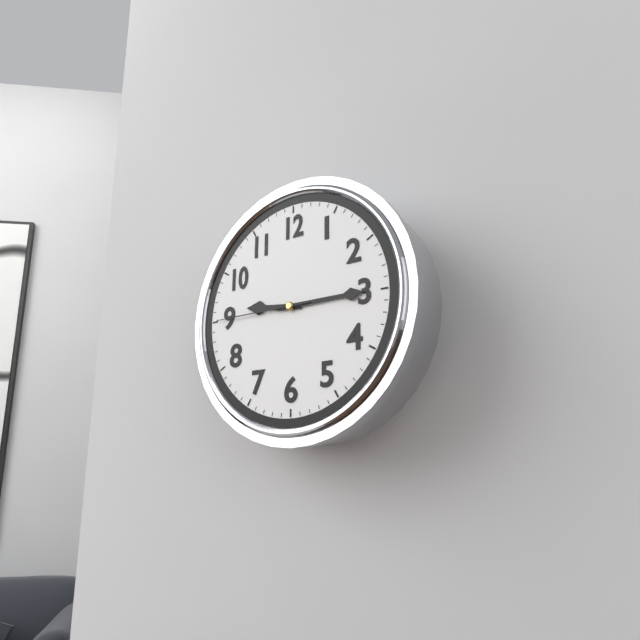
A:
h=9 m=15 s=45
